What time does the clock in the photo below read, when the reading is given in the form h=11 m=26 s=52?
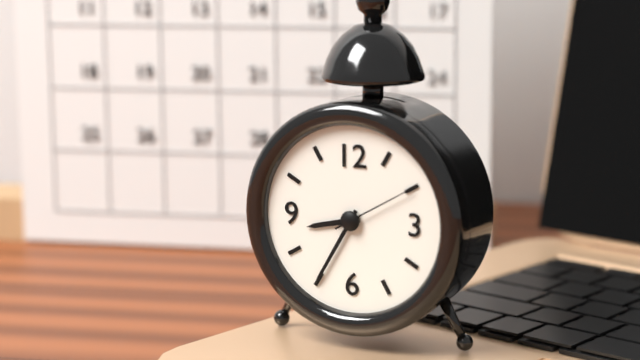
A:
h=8 m=35 s=10
